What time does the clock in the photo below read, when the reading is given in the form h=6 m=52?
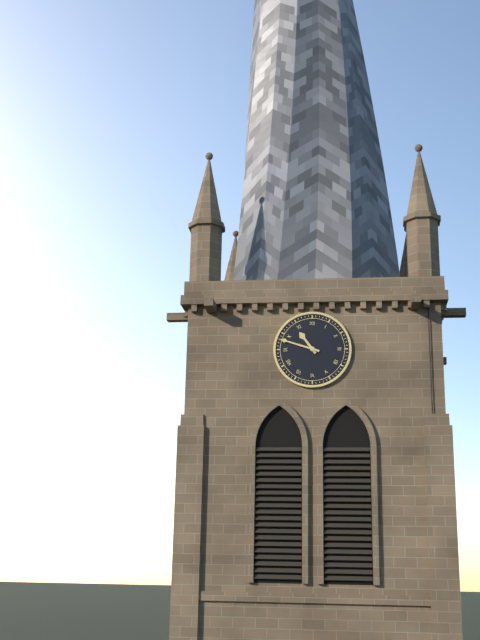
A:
h=10 m=48
